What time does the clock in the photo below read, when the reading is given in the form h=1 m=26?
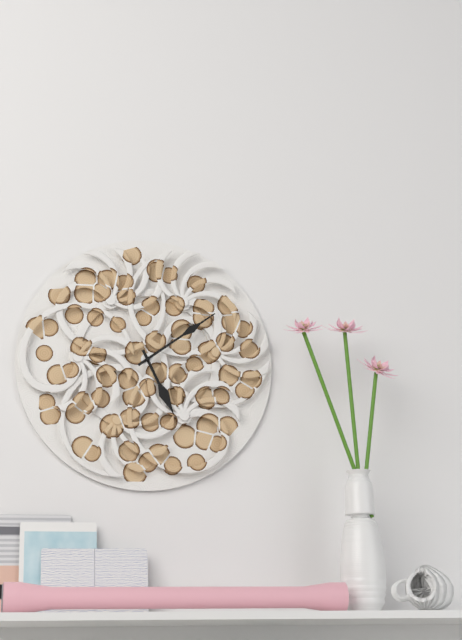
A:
h=5 m=9
